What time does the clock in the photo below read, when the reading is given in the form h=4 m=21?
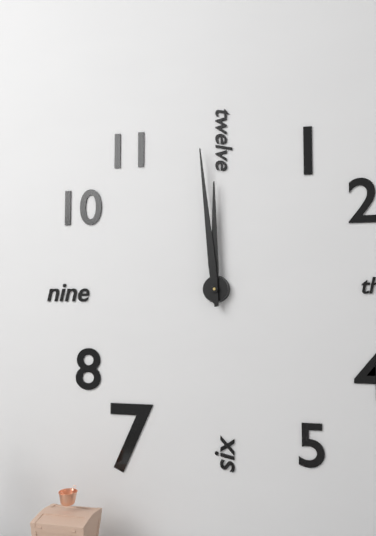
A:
h=11 m=59
